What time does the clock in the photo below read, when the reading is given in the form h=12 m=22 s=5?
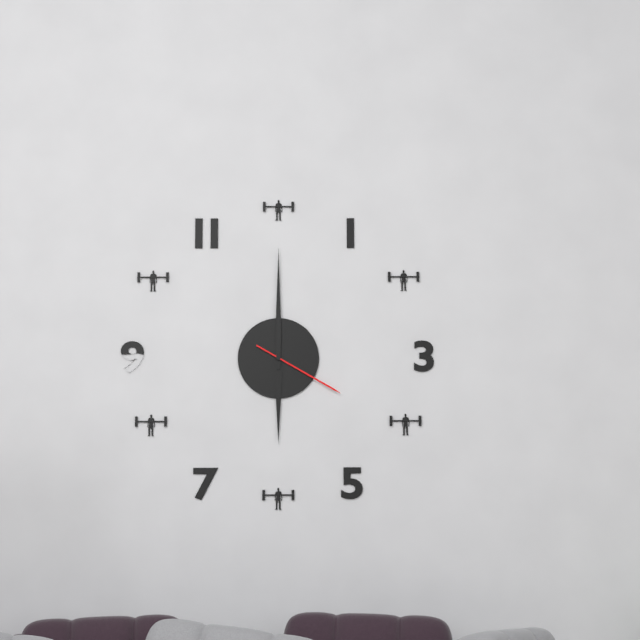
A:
h=6 m=0 s=20
